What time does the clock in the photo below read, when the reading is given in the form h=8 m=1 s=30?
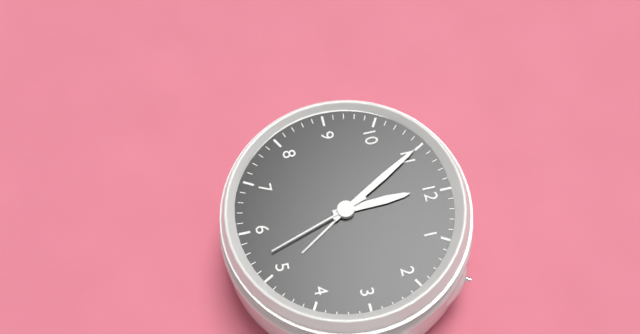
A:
h=11 m=55 s=27
